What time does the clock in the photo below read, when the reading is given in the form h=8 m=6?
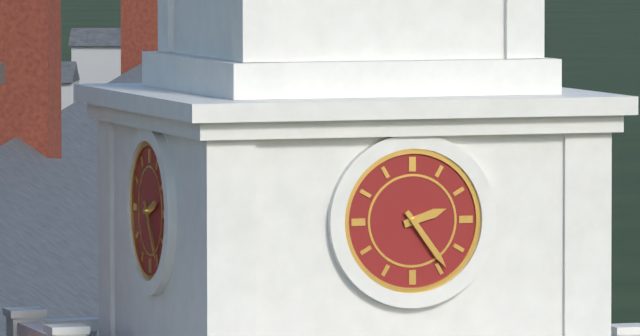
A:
h=2 m=24
